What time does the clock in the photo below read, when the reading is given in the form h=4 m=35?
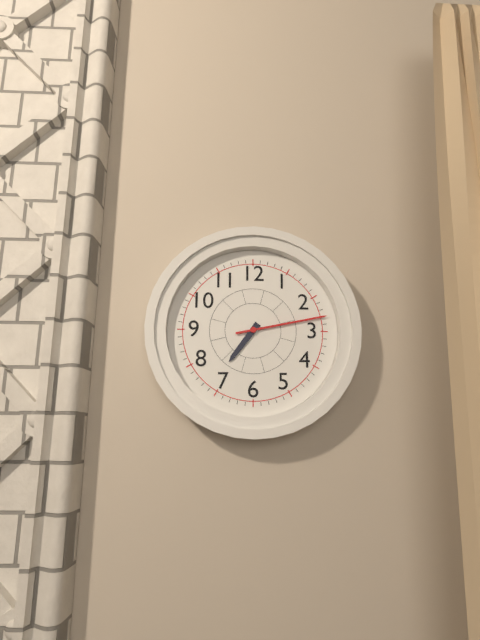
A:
h=7 m=13
